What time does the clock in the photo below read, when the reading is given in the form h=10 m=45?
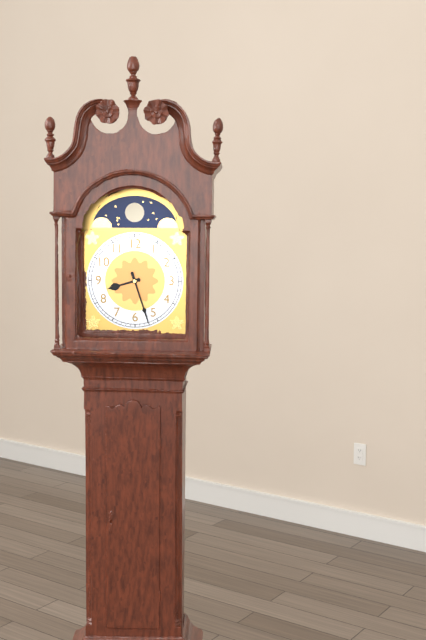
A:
h=8 m=27
